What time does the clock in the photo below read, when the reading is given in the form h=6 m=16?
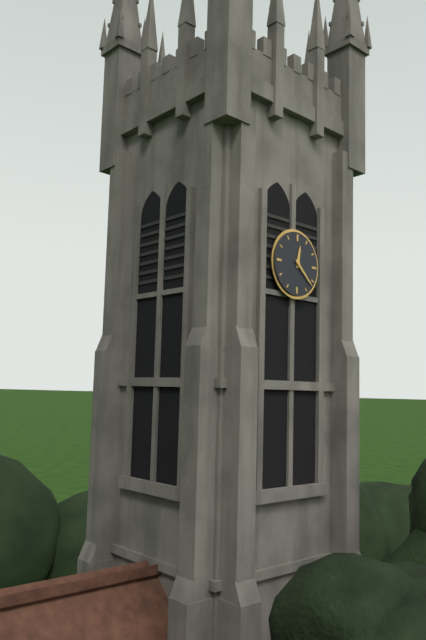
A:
h=12 m=22
